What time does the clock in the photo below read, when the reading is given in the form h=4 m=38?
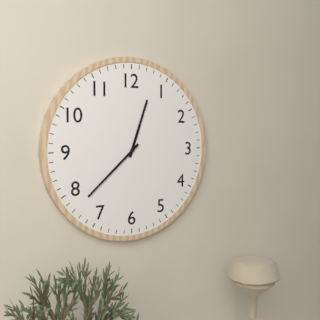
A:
h=12 m=38
